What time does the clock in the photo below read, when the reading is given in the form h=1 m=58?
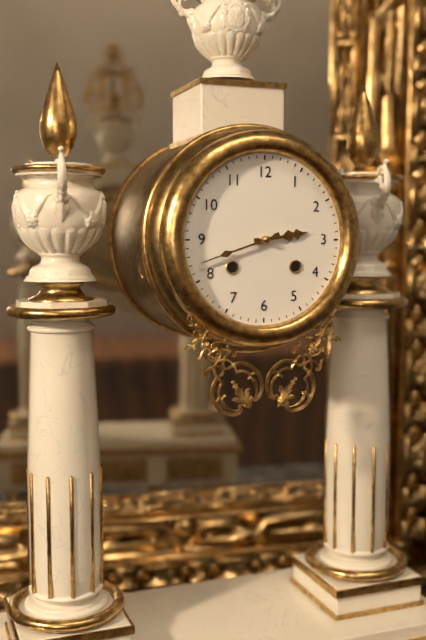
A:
h=2 m=42
